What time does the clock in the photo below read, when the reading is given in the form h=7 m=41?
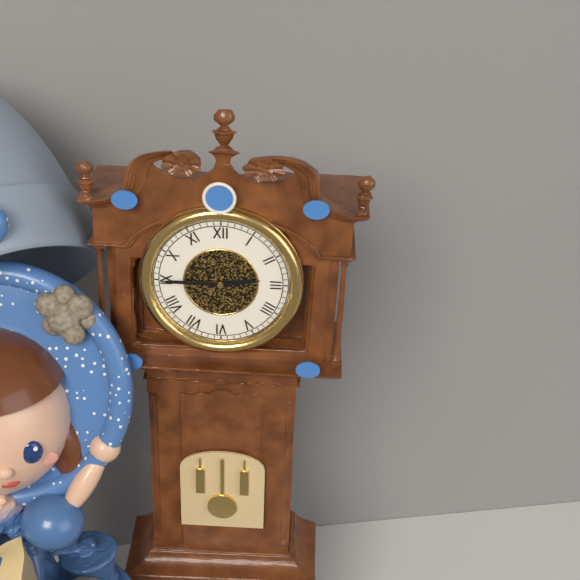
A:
h=2 m=45
